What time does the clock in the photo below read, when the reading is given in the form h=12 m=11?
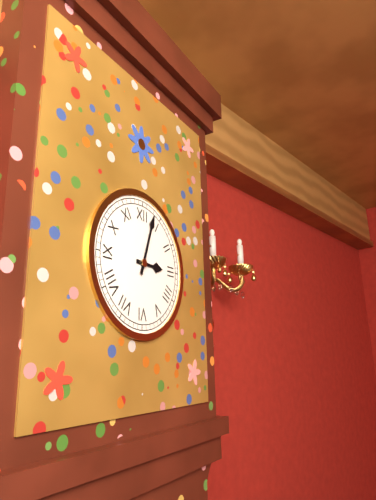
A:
h=3 m=3
